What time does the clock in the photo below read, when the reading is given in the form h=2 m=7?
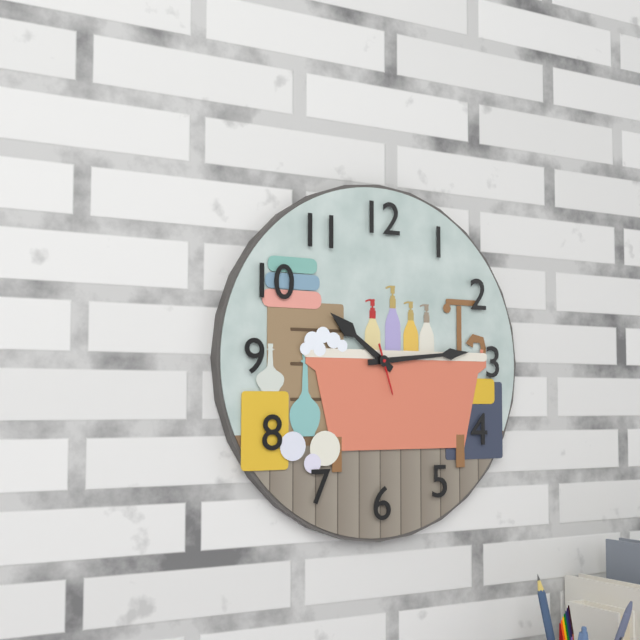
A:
h=10 m=14
